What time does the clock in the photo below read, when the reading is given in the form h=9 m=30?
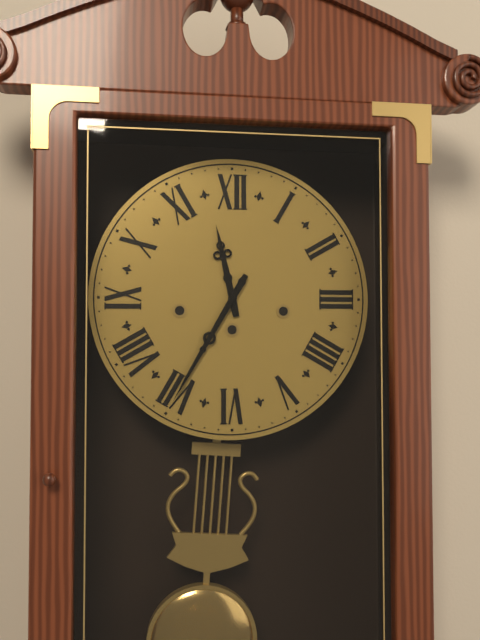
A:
h=11 m=35
